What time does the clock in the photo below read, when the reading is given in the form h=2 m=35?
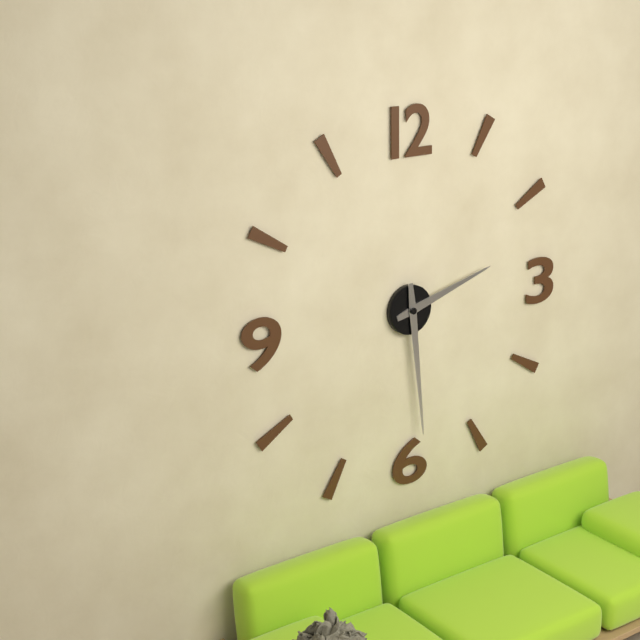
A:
h=2 m=29
